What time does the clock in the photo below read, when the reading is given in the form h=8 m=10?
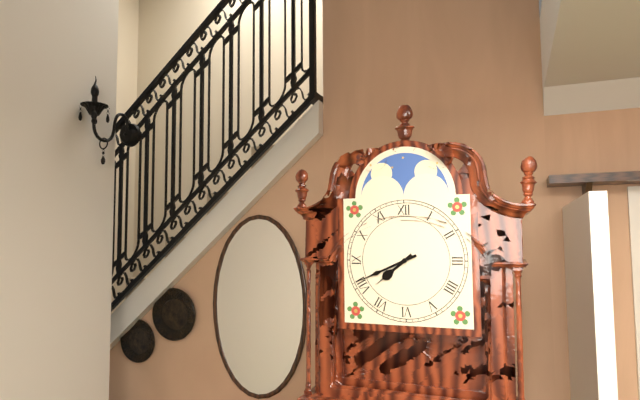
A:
h=7 m=41
